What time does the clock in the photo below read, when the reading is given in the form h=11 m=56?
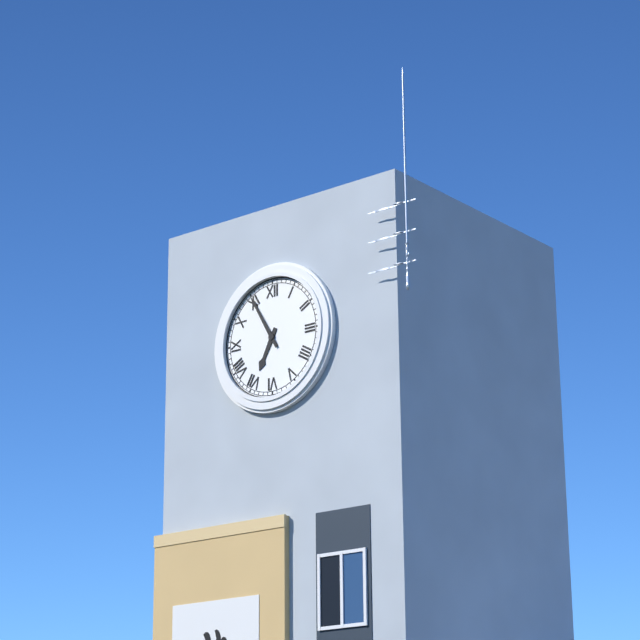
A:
h=6 m=55
